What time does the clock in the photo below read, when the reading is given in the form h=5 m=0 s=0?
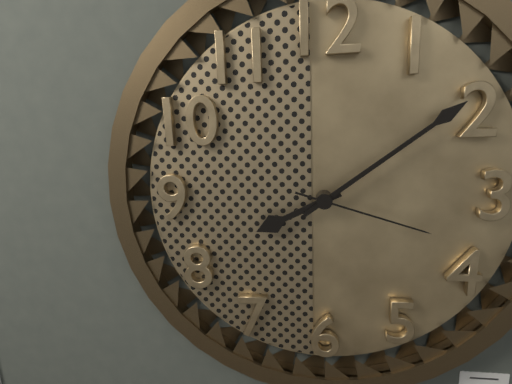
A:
h=8 m=9 s=18
